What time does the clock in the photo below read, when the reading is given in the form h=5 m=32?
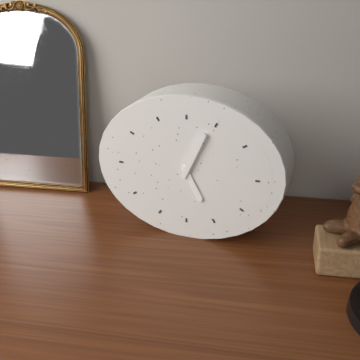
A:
h=5 m=4
